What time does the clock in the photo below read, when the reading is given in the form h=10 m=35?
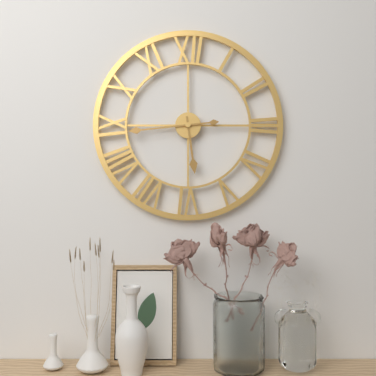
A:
h=5 m=44
